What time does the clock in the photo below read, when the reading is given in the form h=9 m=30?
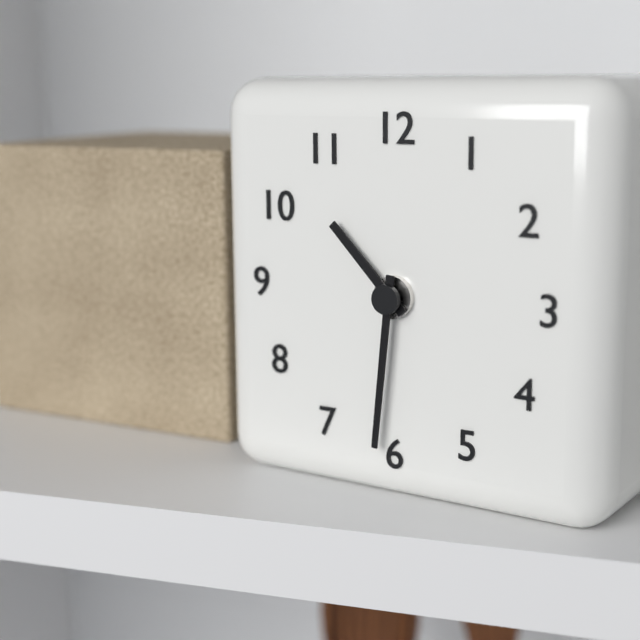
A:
h=10 m=31
